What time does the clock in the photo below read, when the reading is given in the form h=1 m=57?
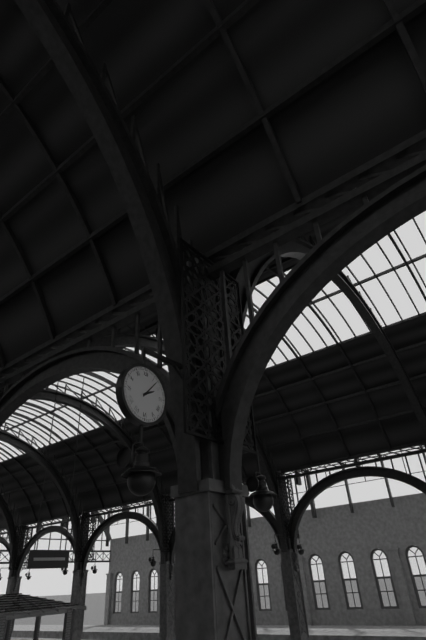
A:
h=2 m=7
